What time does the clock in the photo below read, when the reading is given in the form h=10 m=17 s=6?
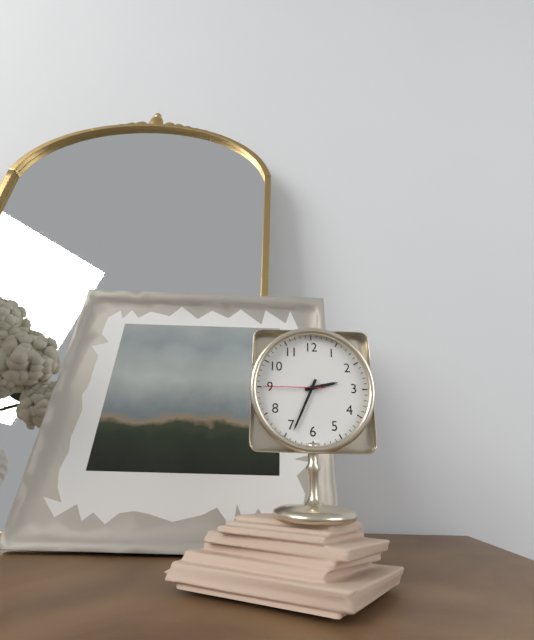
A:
h=2 m=34 s=45
